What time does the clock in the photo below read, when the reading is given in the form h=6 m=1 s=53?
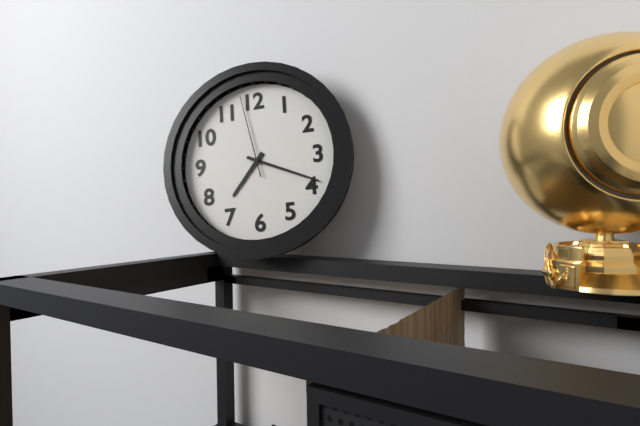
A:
h=7 m=19 s=58
